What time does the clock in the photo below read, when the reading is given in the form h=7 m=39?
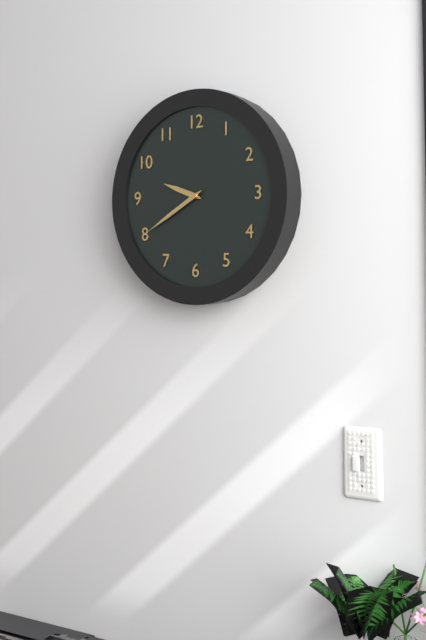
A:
h=9 m=40
